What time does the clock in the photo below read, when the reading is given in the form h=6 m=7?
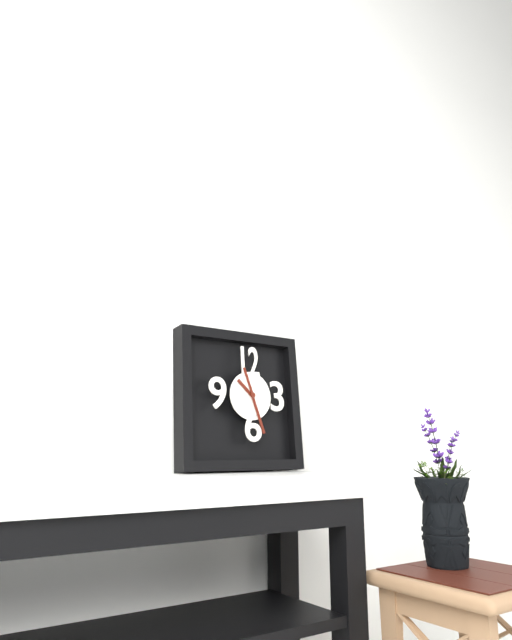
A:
h=10 m=27
